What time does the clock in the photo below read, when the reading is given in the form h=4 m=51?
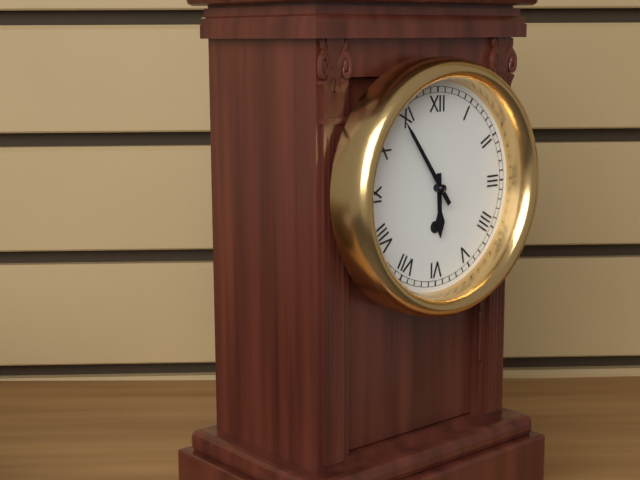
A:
h=5 m=54
